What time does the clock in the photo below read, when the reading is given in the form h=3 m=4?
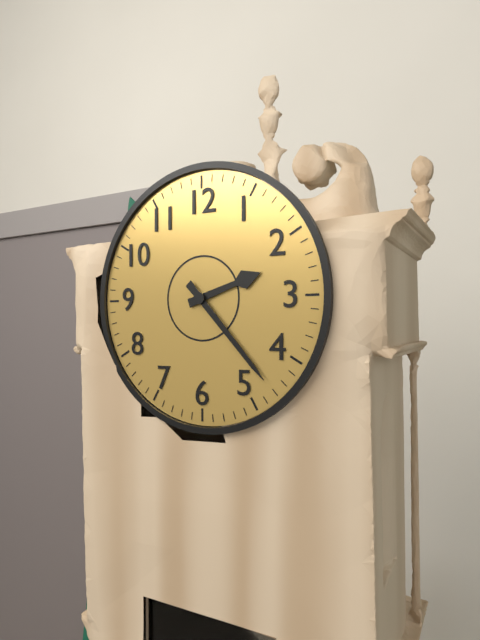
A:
h=2 m=23
